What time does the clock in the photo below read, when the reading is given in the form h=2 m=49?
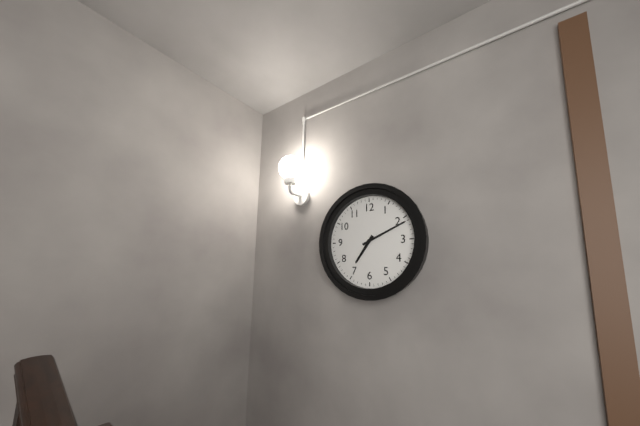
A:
h=7 m=11
